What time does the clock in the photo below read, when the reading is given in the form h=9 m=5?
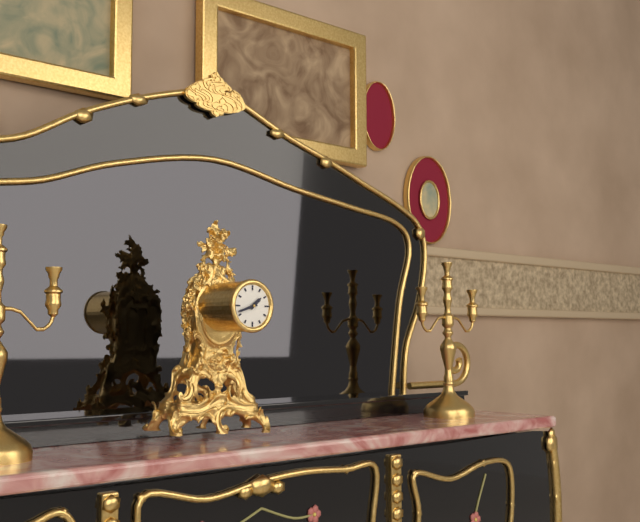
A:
h=1 m=42
